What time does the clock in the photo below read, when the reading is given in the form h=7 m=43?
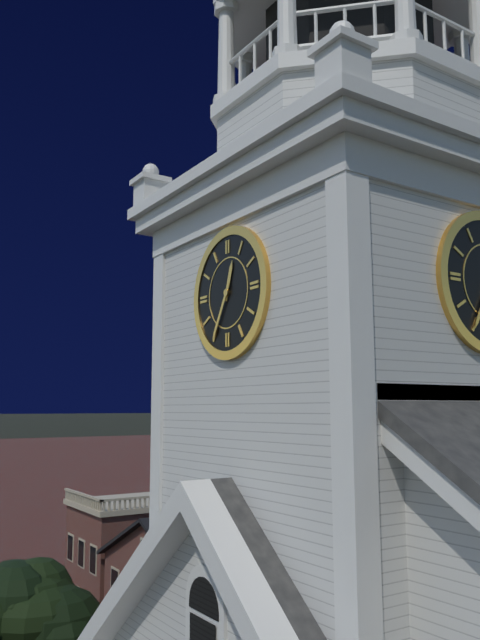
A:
h=12 m=35
